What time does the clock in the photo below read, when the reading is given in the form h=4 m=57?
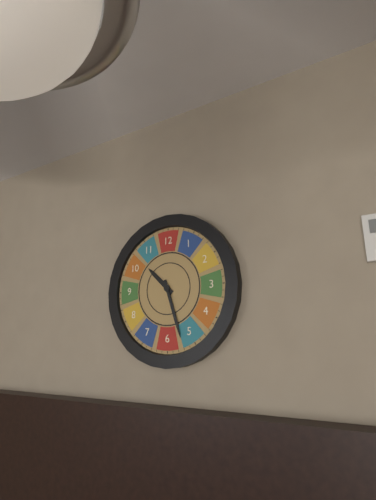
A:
h=10 m=27
